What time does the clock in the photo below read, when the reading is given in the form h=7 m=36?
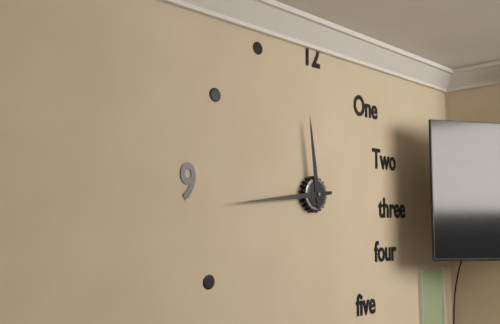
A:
h=11 m=44
